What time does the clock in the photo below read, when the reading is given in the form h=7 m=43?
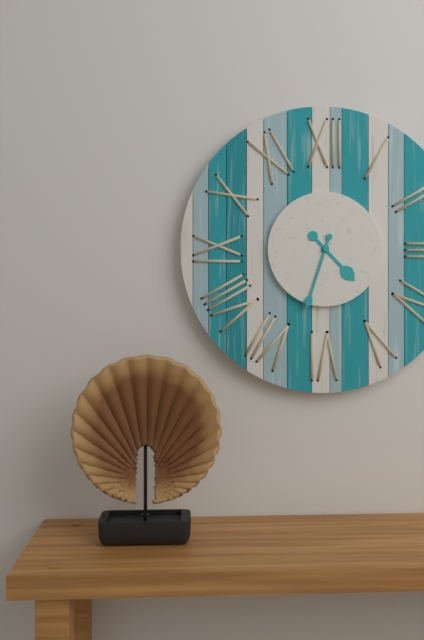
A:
h=4 m=33
